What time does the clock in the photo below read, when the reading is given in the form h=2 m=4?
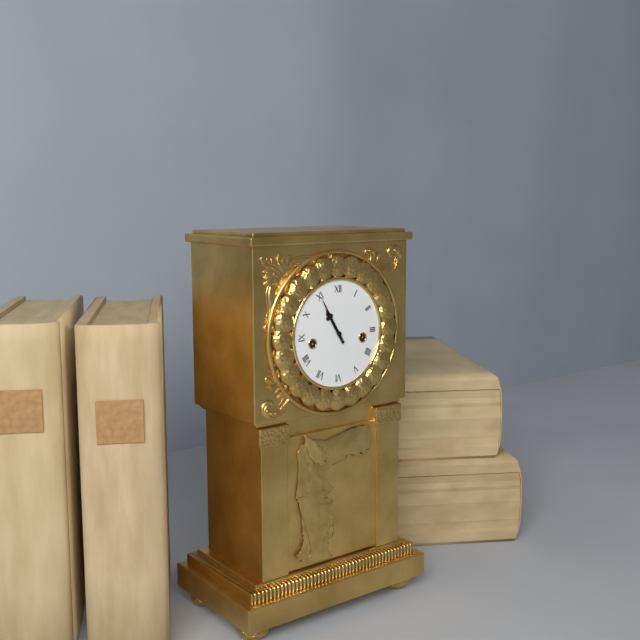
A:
h=10 m=55
